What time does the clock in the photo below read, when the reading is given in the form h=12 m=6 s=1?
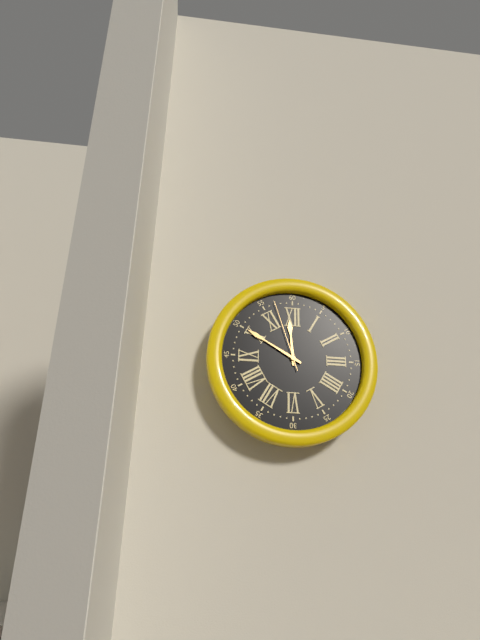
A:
h=11 m=50 s=57
